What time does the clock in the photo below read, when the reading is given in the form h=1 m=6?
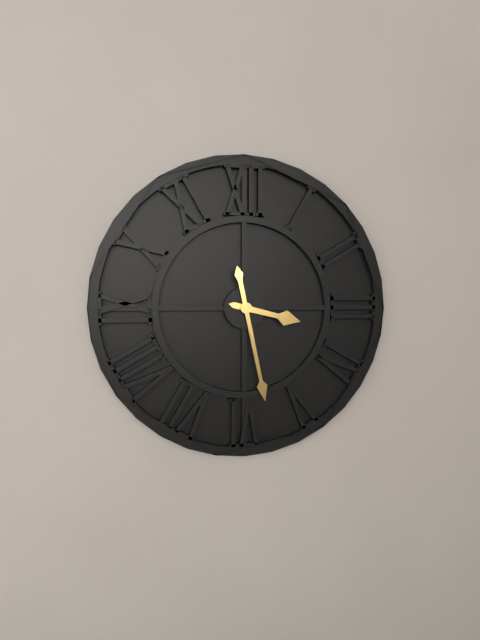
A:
h=3 m=28
